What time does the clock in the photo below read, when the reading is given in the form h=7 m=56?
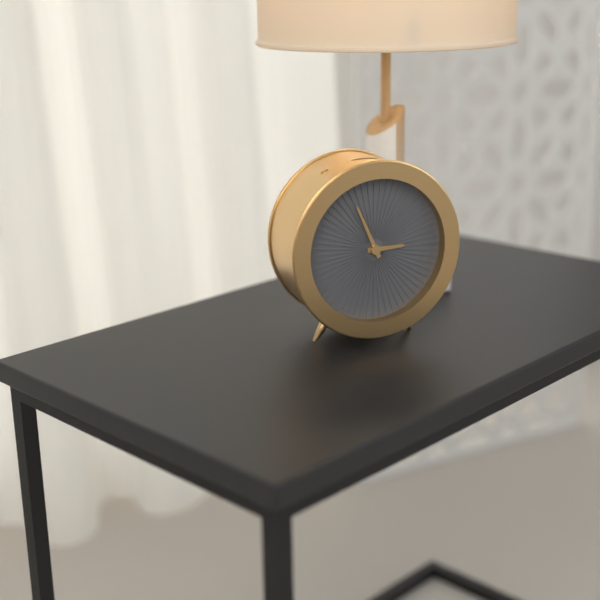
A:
h=2 m=56
